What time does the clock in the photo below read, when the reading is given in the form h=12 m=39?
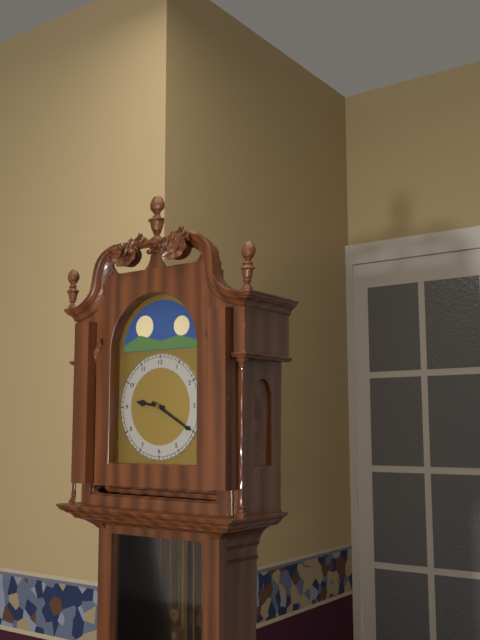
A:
h=9 m=20
